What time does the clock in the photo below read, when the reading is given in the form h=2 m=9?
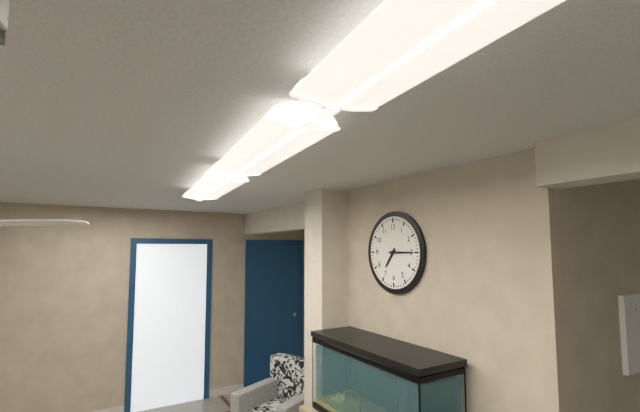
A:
h=7 m=15
